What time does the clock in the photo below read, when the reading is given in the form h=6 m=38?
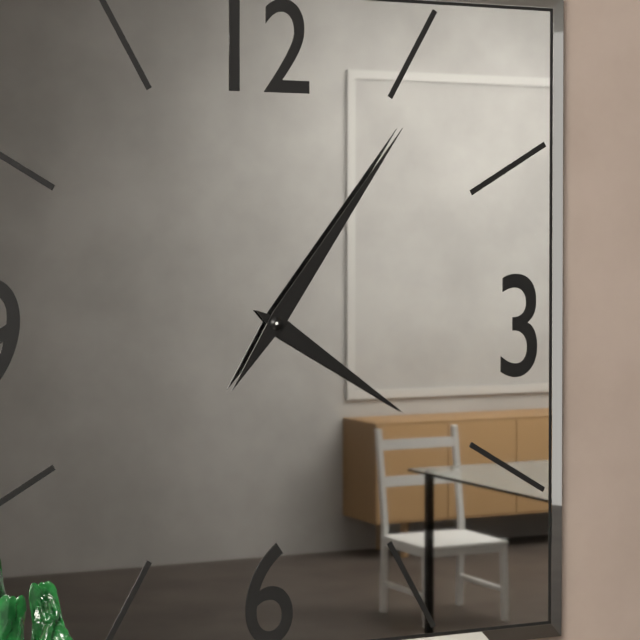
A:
h=4 m=6
